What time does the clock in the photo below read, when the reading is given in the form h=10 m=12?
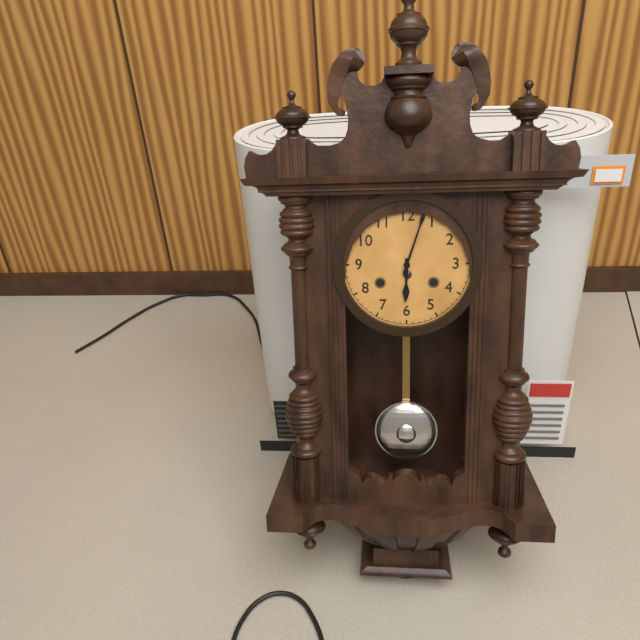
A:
h=6 m=3
